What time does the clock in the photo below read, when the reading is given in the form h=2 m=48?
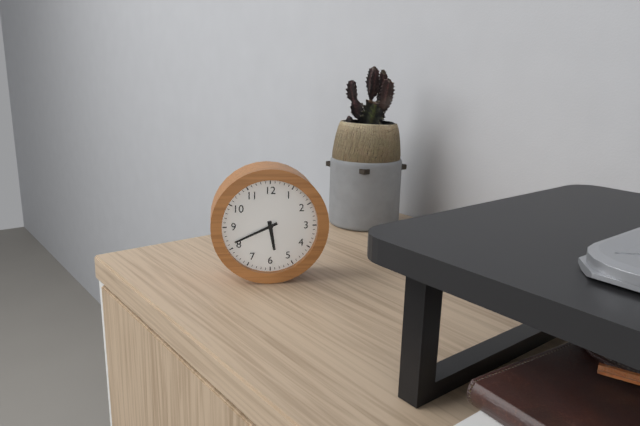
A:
h=5 m=41
